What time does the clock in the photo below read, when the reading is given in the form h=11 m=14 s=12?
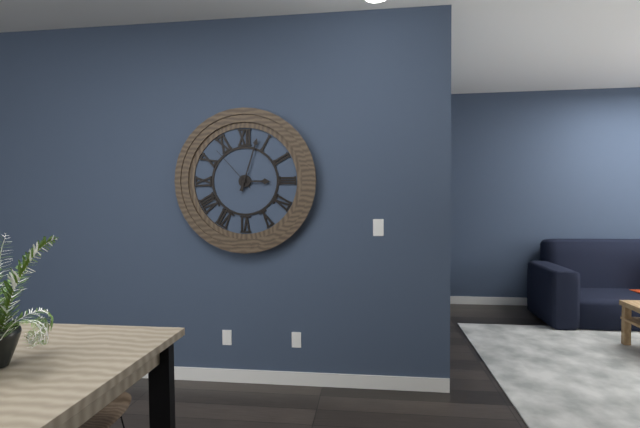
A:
h=3 m=3 s=53
